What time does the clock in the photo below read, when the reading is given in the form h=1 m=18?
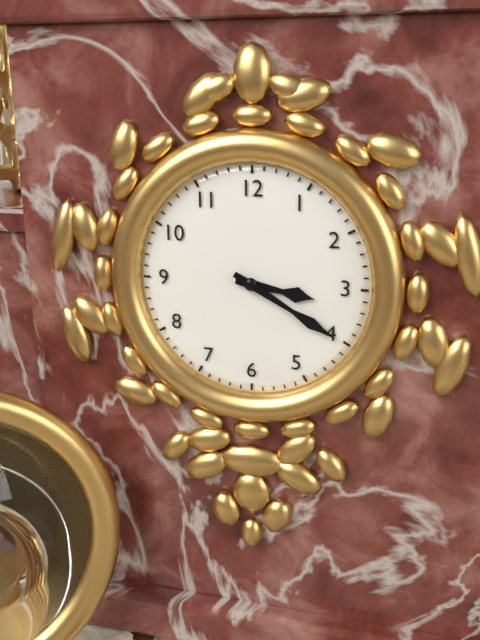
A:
h=3 m=20
